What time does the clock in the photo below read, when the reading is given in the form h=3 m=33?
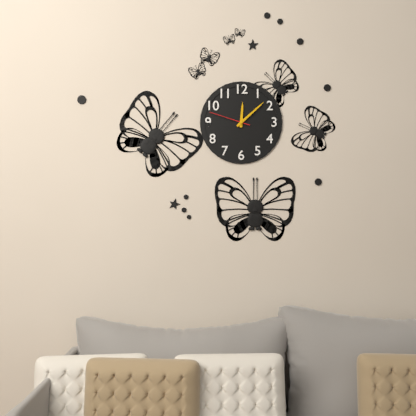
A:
h=12 m=8
